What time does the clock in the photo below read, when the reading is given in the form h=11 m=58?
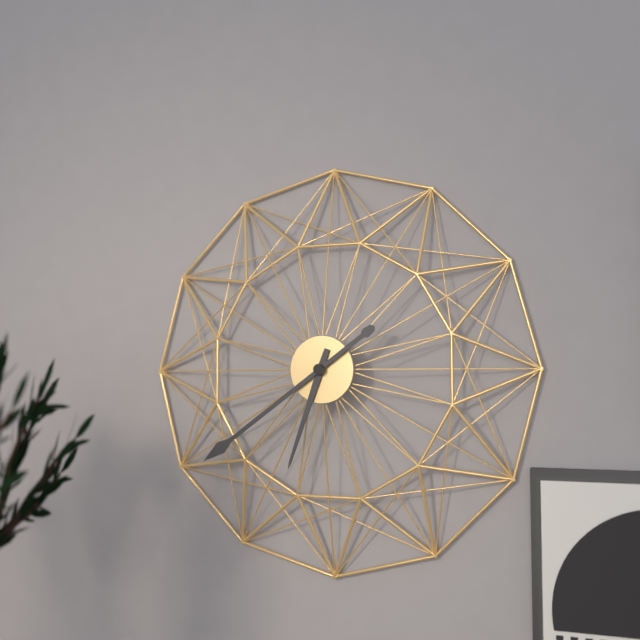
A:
h=6 m=39
